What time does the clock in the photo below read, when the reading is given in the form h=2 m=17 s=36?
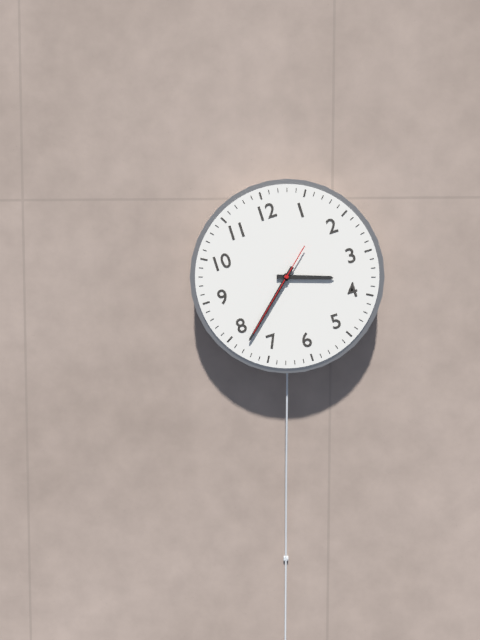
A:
h=3 m=38 s=38
